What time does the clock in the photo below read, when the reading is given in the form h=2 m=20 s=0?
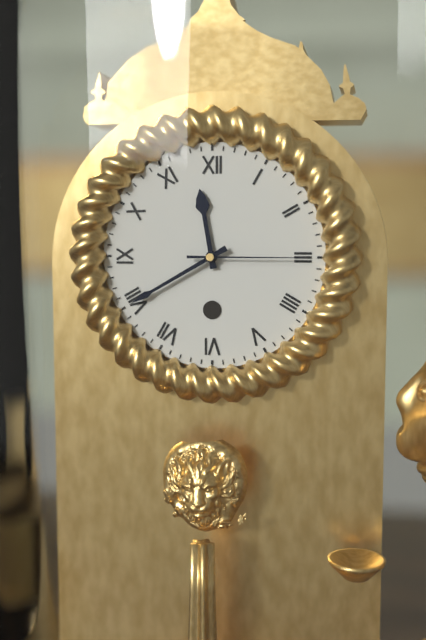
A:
h=11 m=40 s=15
